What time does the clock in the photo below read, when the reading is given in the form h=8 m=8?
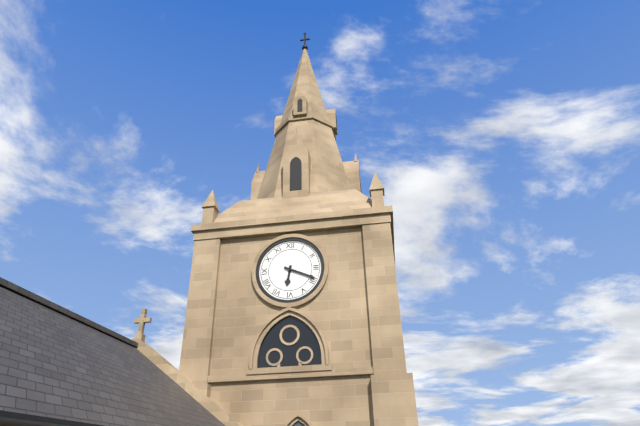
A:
h=6 m=19
